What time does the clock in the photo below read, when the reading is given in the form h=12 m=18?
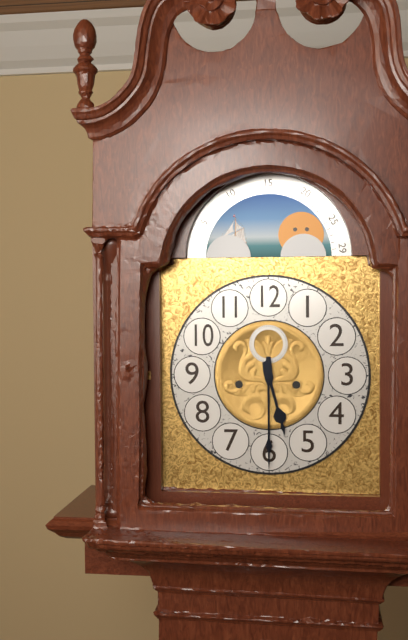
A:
h=5 m=30
